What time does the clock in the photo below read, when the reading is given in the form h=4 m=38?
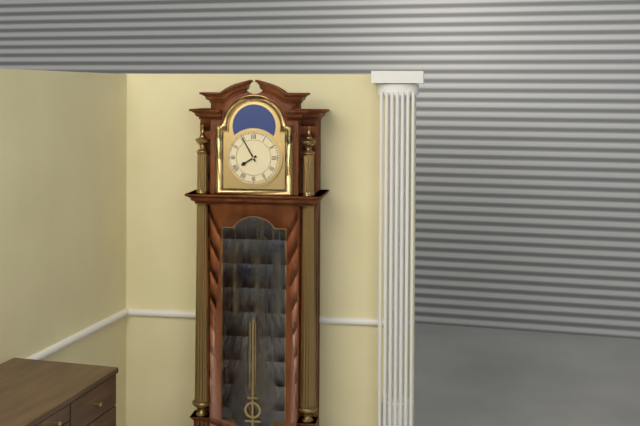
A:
h=7 m=55
